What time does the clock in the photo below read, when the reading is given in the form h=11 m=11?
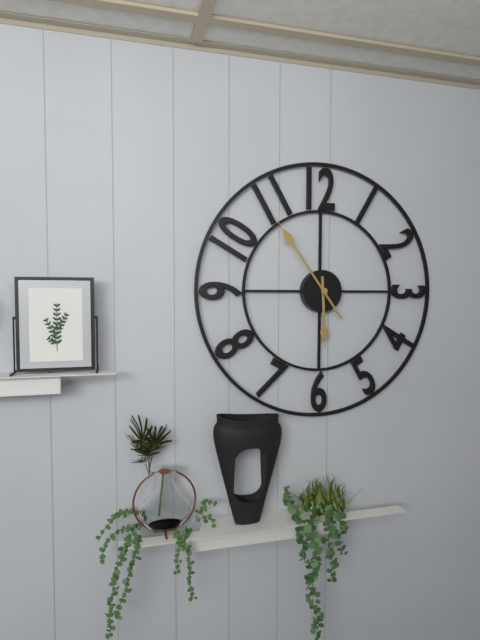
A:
h=5 m=54
